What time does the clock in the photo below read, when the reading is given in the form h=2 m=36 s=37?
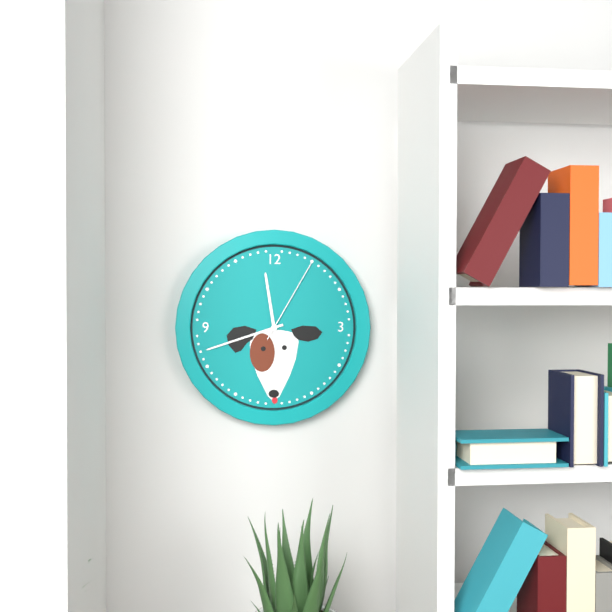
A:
h=11 m=42 s=5
